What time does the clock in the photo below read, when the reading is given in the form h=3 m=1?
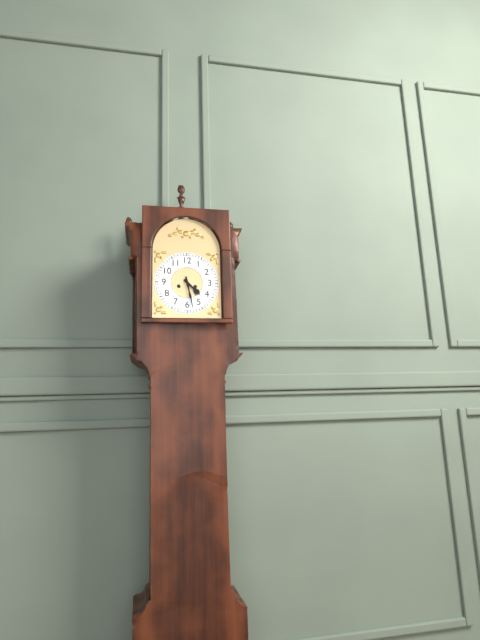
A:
h=4 m=28
